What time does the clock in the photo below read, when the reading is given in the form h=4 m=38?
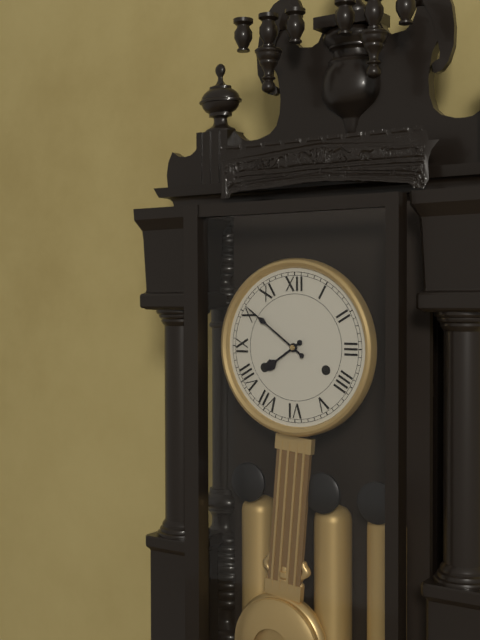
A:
h=7 m=51
